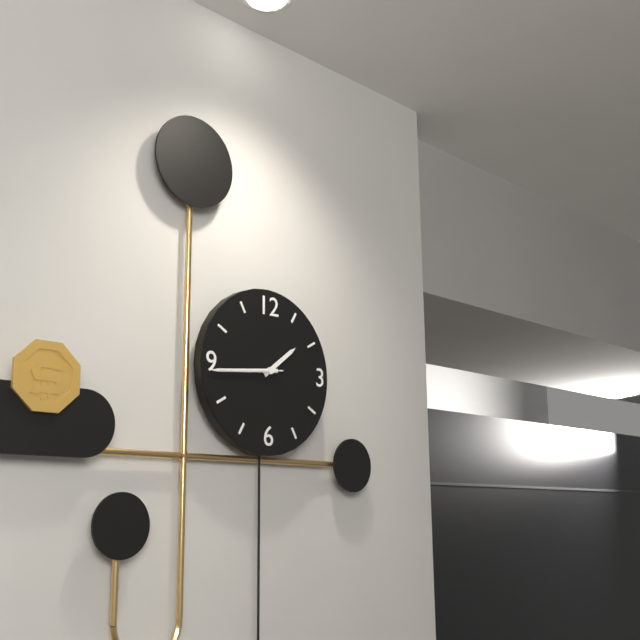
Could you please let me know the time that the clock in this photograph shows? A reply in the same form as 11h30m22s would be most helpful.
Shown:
1h44m44s
